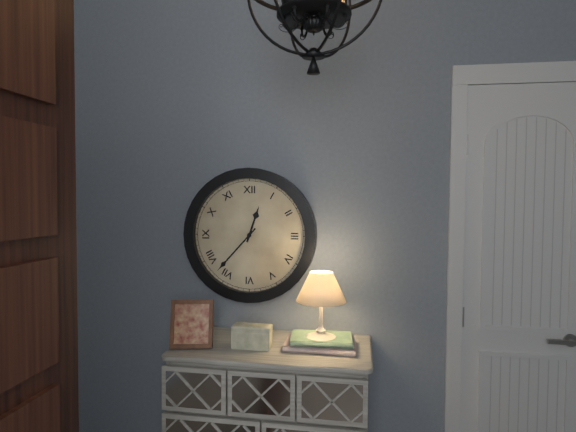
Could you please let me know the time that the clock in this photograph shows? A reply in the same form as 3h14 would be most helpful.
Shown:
12h37
